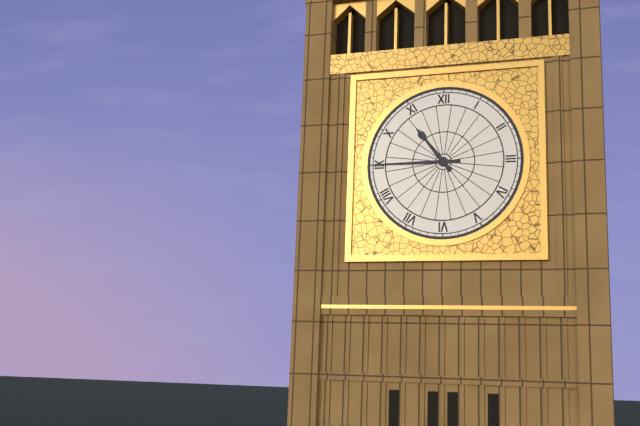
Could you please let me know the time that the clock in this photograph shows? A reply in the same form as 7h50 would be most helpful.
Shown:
10h45
